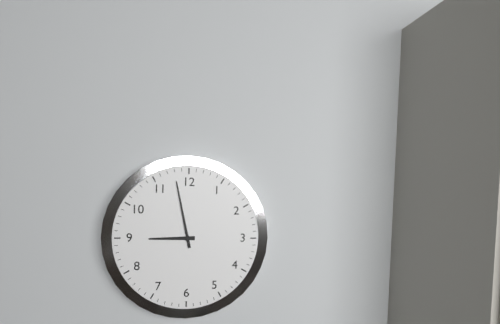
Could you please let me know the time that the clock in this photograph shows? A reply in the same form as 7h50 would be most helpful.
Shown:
8h58
